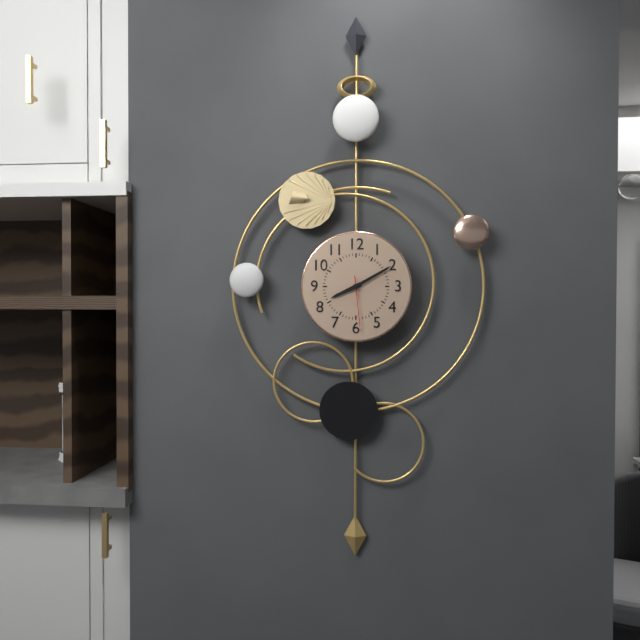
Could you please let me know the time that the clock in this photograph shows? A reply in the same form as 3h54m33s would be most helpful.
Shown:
8h10m29s
